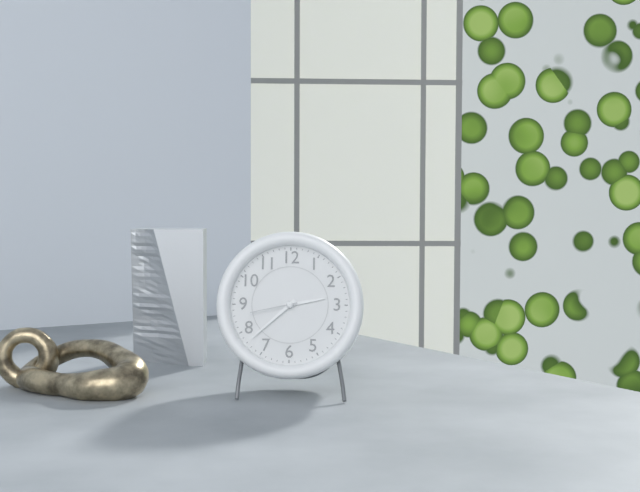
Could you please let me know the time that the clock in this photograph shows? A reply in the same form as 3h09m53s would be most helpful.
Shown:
2h38m43s
